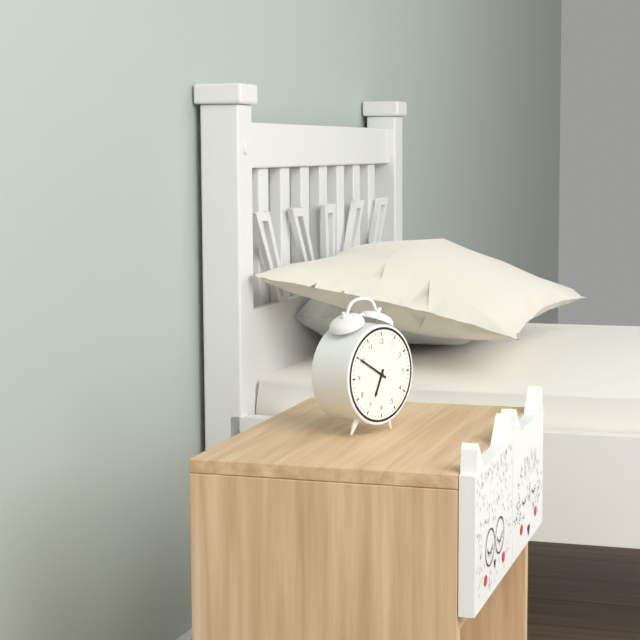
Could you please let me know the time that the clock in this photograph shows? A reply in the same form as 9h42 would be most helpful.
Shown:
6h50
